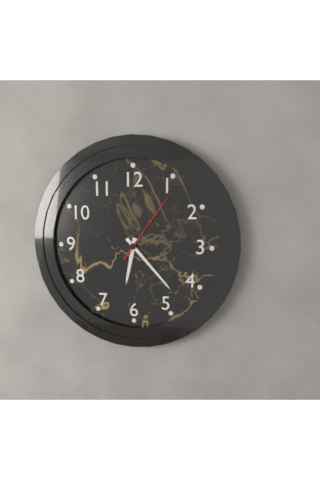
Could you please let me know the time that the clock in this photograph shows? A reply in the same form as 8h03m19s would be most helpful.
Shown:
6h23m06s
